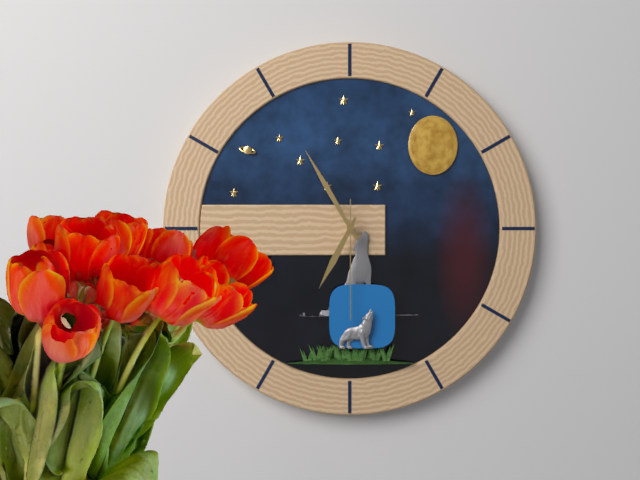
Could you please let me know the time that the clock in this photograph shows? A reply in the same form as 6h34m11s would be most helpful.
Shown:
6h55m30s
